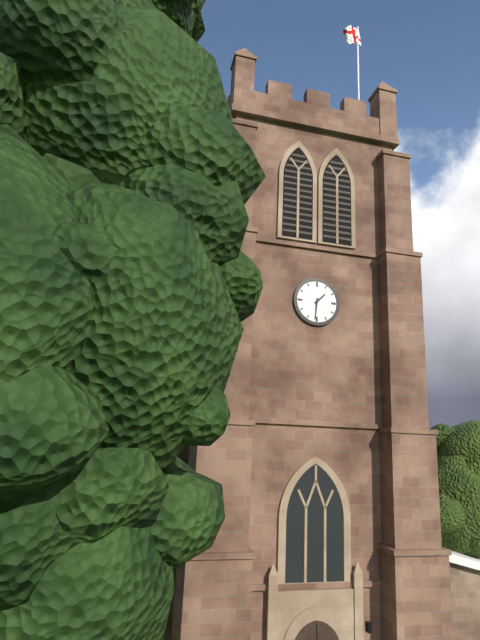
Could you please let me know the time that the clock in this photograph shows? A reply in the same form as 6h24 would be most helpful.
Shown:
1h31
